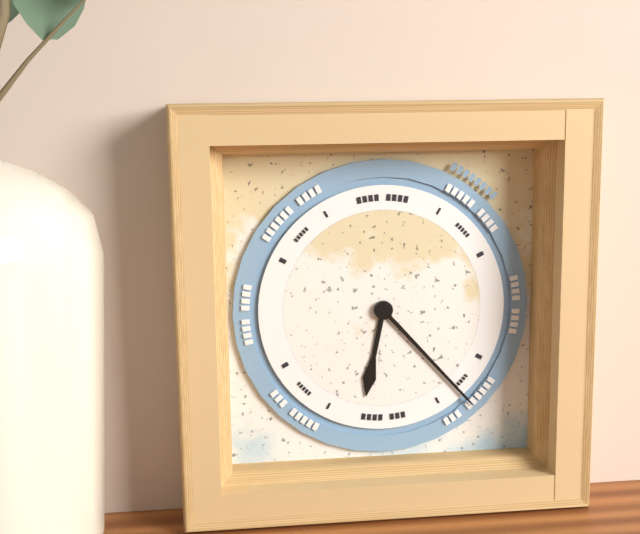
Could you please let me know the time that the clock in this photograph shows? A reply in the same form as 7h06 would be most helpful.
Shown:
6h23
